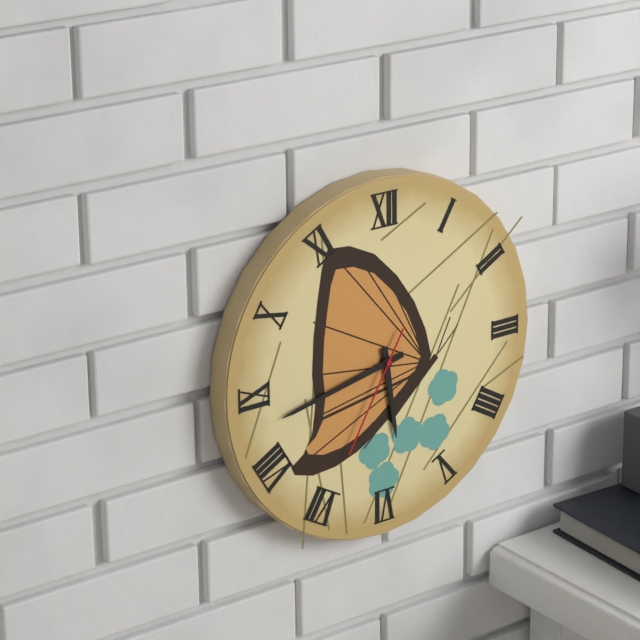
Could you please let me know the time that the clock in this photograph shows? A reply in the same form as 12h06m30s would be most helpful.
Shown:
5h43m35s
